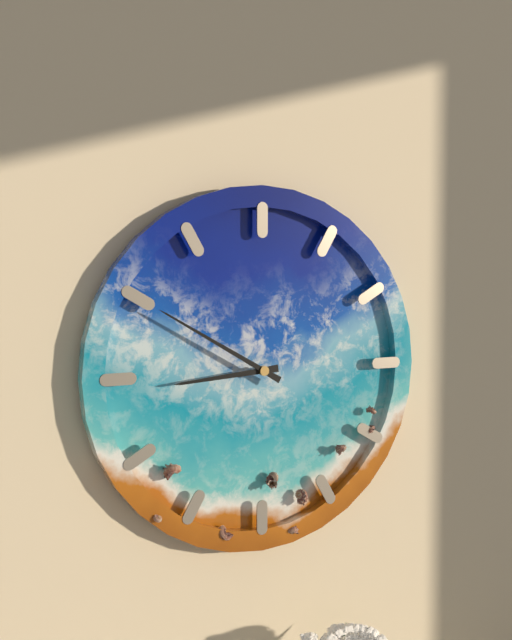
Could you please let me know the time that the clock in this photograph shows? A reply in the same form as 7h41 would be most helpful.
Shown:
8h50
